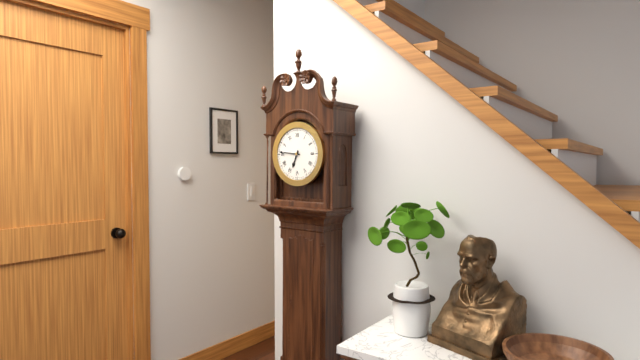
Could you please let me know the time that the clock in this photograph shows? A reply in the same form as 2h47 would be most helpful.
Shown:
6h46
